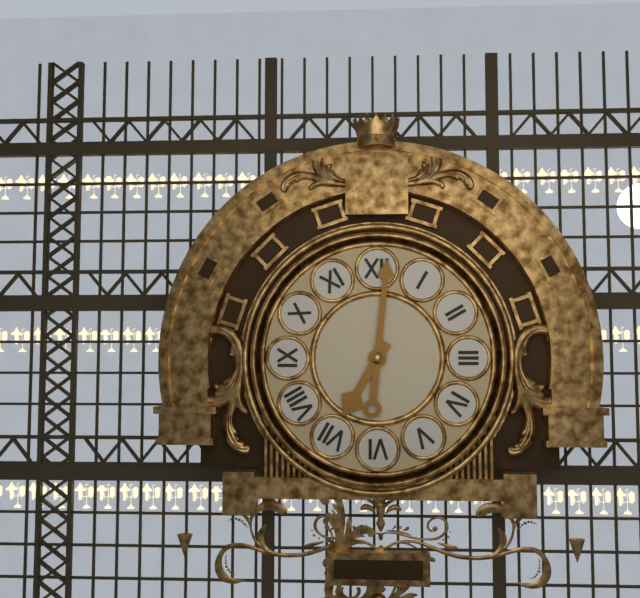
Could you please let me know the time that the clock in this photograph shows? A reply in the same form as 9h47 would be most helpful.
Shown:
7h01
